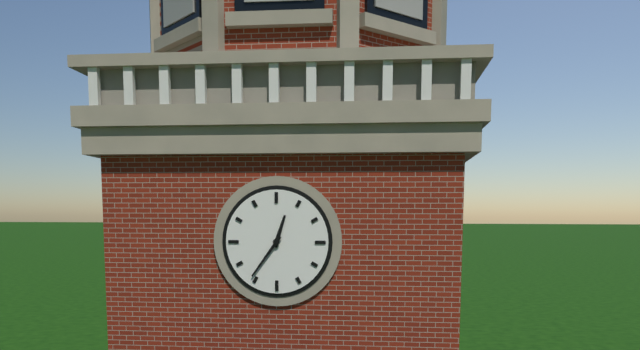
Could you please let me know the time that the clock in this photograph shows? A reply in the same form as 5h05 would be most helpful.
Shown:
12h36
